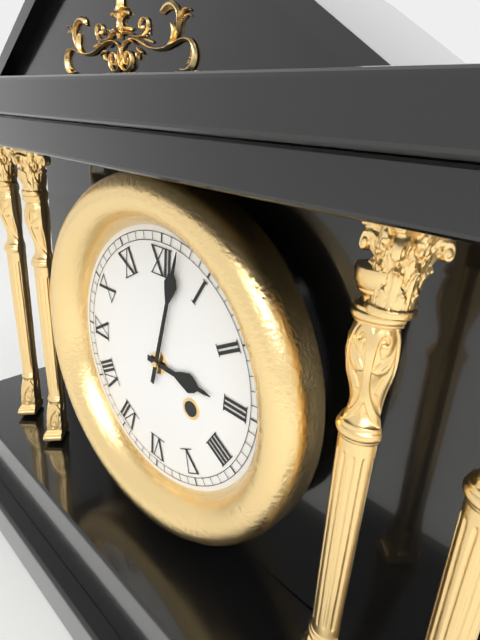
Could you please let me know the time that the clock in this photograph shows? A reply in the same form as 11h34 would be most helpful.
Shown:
3h02
